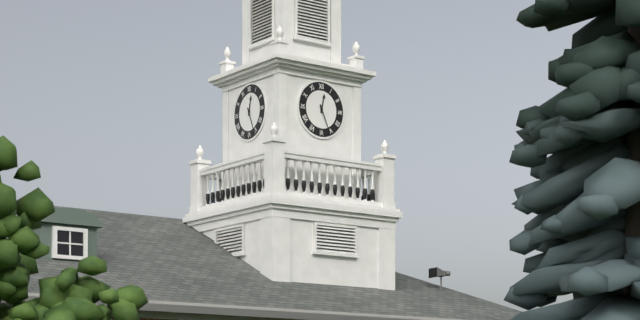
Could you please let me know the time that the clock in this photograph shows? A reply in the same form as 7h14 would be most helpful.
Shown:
12h26
